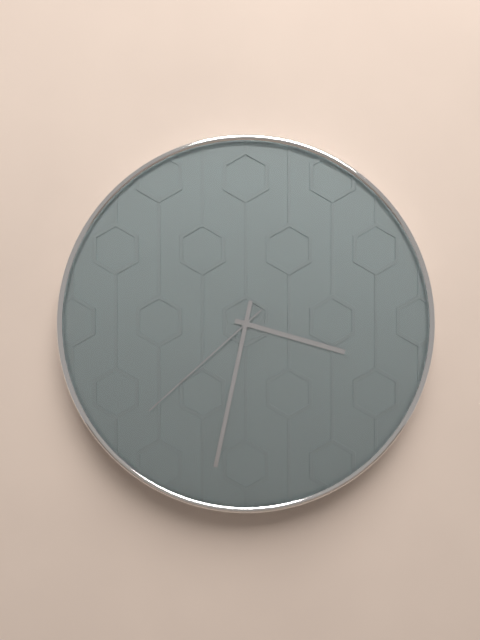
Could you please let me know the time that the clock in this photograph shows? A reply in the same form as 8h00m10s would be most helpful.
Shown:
3h32m38s
